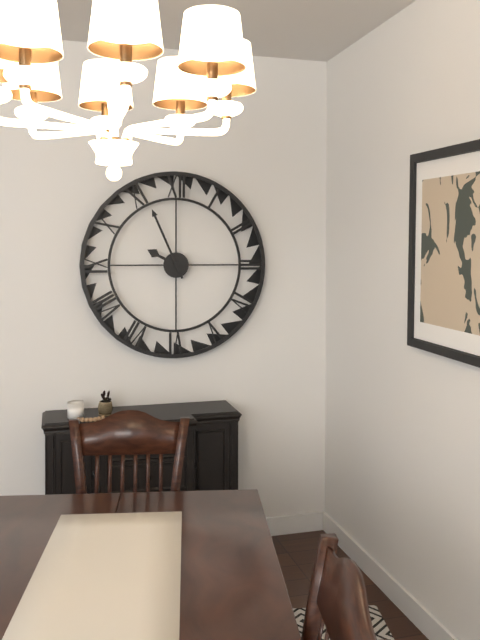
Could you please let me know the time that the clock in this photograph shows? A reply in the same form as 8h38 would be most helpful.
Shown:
9h56
